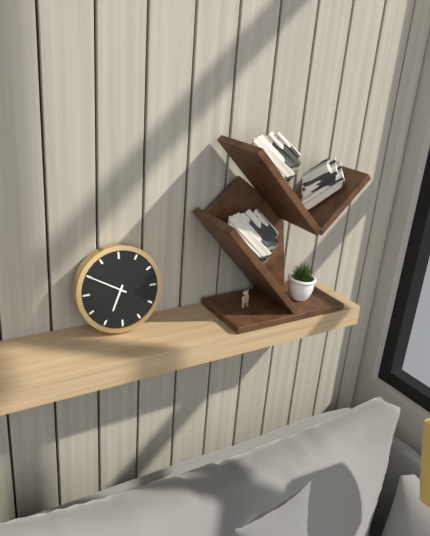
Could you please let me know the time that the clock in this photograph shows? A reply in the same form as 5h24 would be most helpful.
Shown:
6h50
